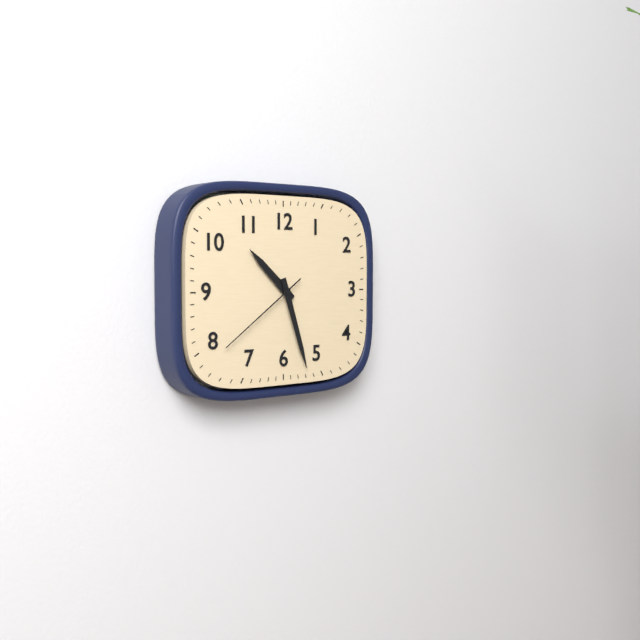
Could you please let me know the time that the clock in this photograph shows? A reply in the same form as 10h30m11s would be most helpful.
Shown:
10h27m39s
